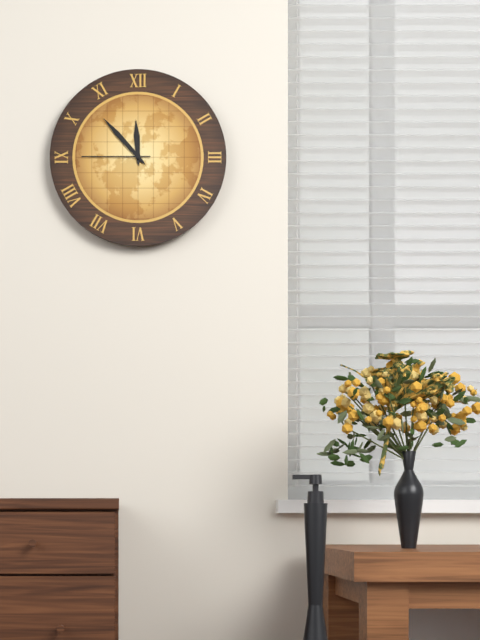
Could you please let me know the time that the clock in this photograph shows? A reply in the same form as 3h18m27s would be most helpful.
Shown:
11h53m45s
